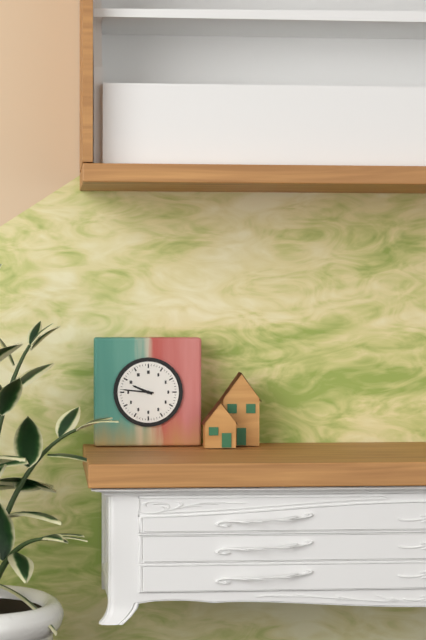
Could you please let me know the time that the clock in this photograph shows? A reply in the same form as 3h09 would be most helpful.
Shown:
9h46
